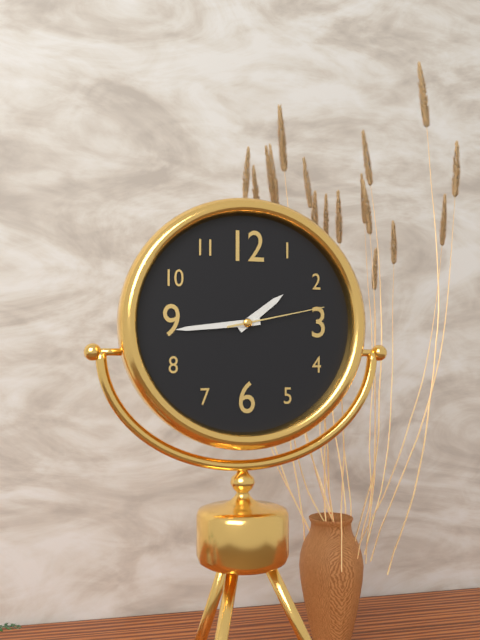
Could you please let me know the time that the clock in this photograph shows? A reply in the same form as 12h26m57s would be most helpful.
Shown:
1h44m13s
